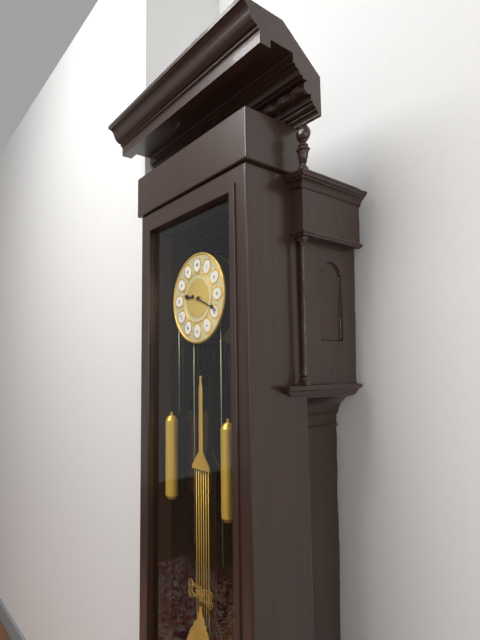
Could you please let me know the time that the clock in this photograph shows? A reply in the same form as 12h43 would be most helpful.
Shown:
9h19
